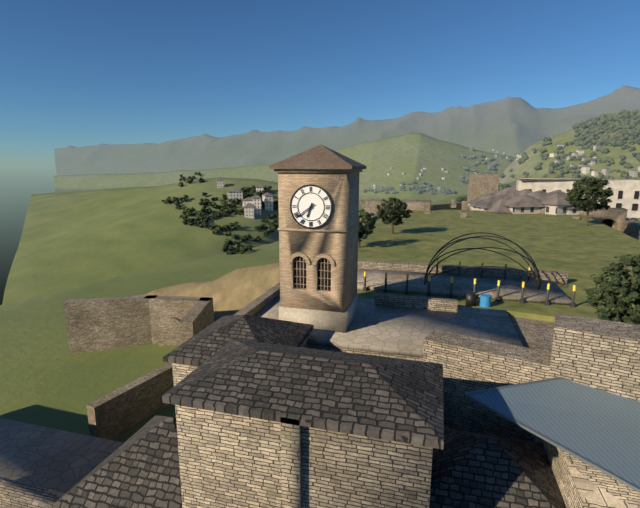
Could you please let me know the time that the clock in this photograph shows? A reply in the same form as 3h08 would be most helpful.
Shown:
6h39
